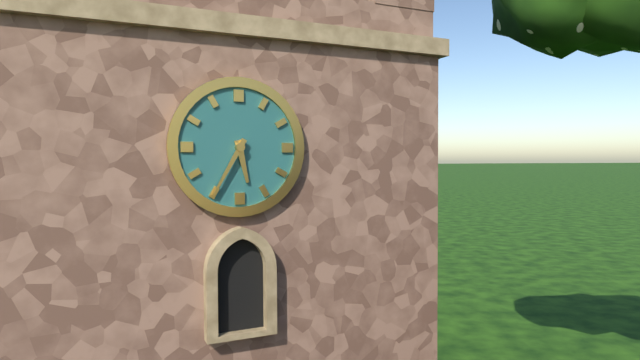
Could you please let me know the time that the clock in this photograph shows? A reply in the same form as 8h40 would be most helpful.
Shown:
5h35
